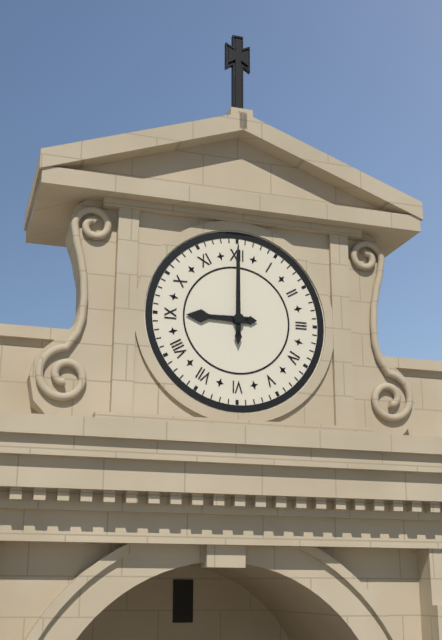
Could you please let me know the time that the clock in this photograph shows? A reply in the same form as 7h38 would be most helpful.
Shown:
9h00
